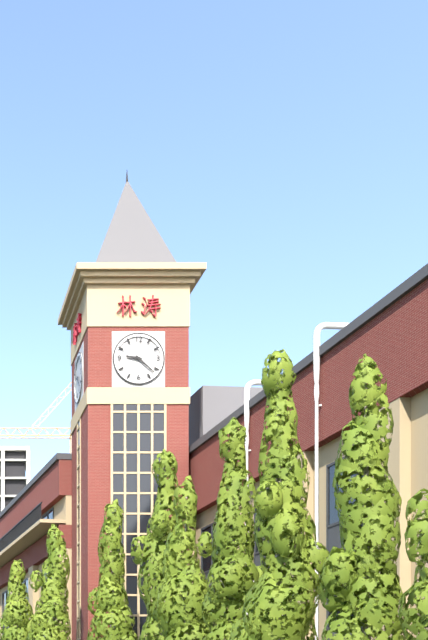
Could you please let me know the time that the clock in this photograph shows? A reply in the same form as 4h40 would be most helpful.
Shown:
9h22
